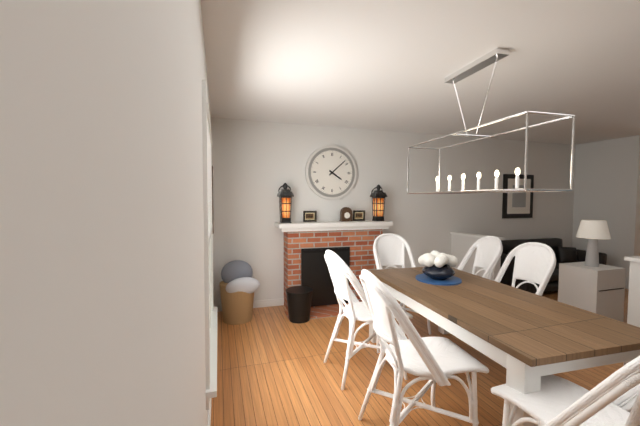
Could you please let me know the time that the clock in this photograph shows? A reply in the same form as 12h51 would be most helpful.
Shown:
4h08
